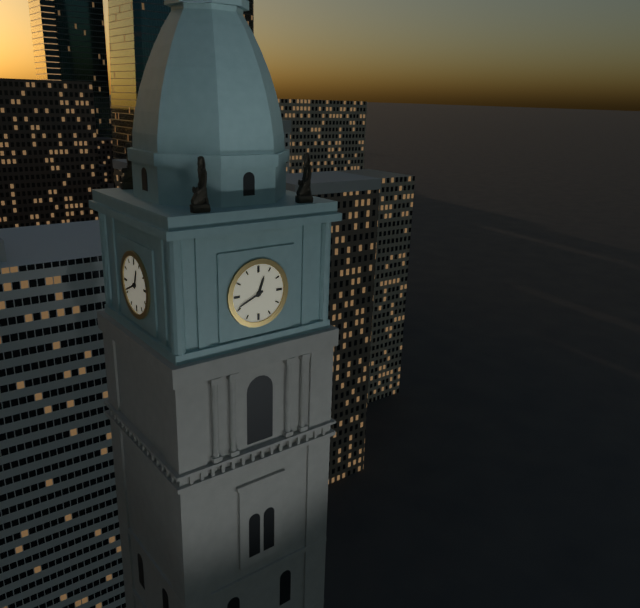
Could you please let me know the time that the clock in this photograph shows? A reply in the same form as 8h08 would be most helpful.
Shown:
12h41
